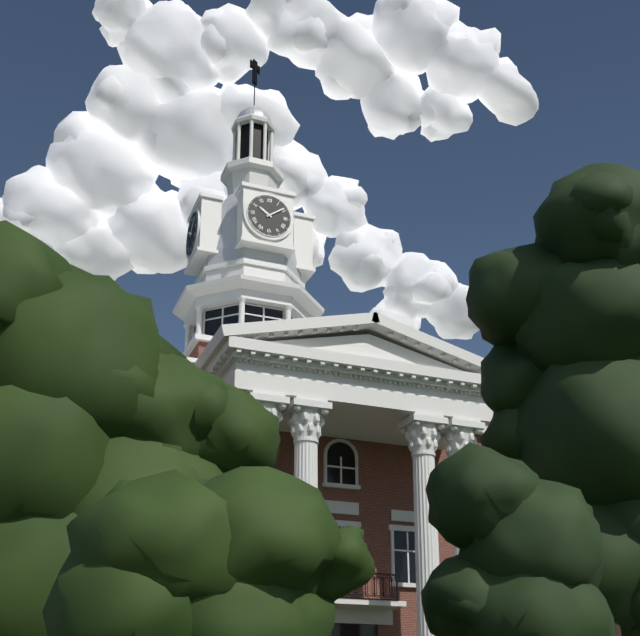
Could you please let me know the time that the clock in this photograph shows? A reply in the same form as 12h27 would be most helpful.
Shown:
10h09
